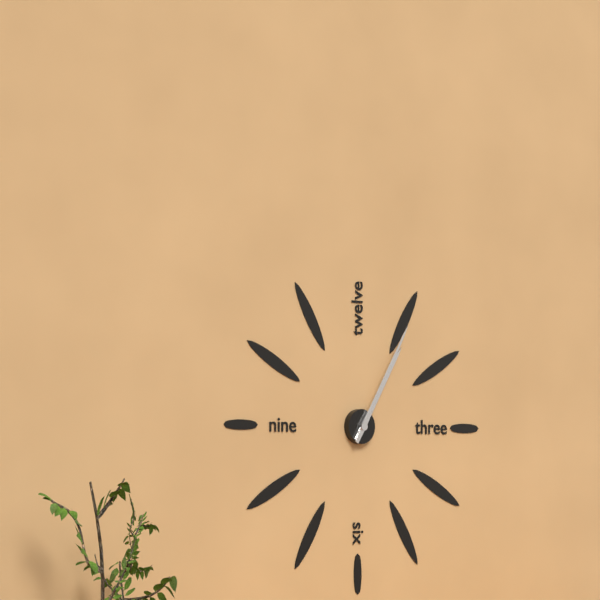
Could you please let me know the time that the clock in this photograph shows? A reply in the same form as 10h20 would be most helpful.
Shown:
1h05
